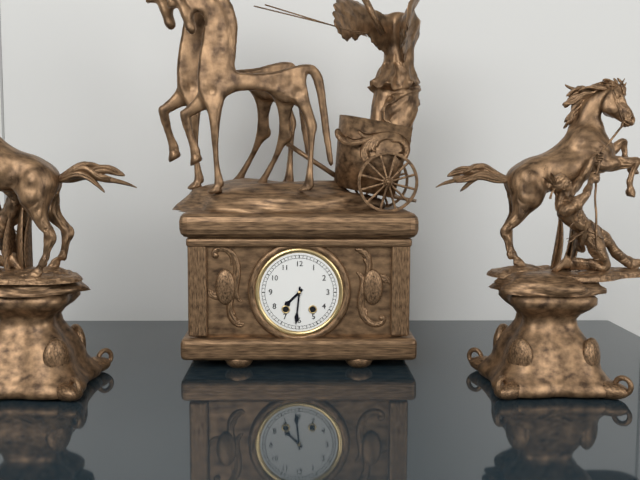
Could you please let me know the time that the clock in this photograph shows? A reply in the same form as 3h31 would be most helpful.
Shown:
7h31
